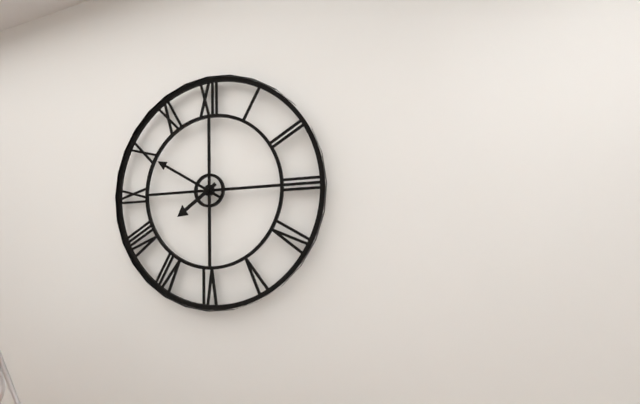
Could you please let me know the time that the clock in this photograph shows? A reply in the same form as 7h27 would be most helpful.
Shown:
7h50
